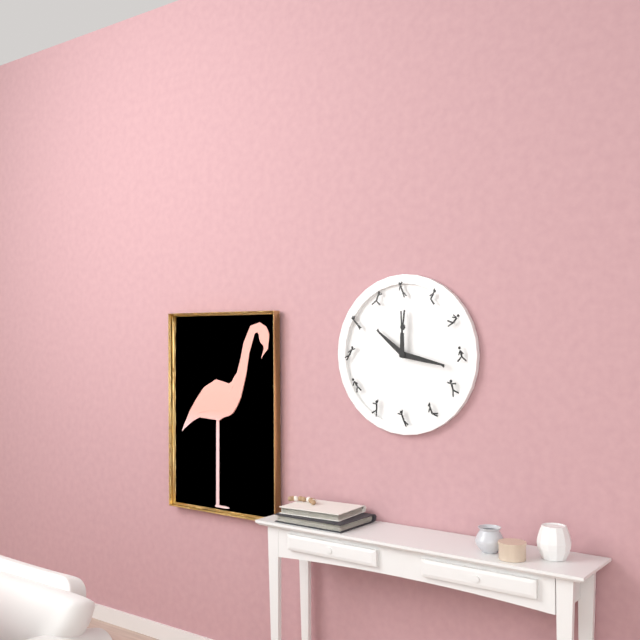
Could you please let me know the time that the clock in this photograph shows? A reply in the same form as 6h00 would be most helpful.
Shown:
10h17
